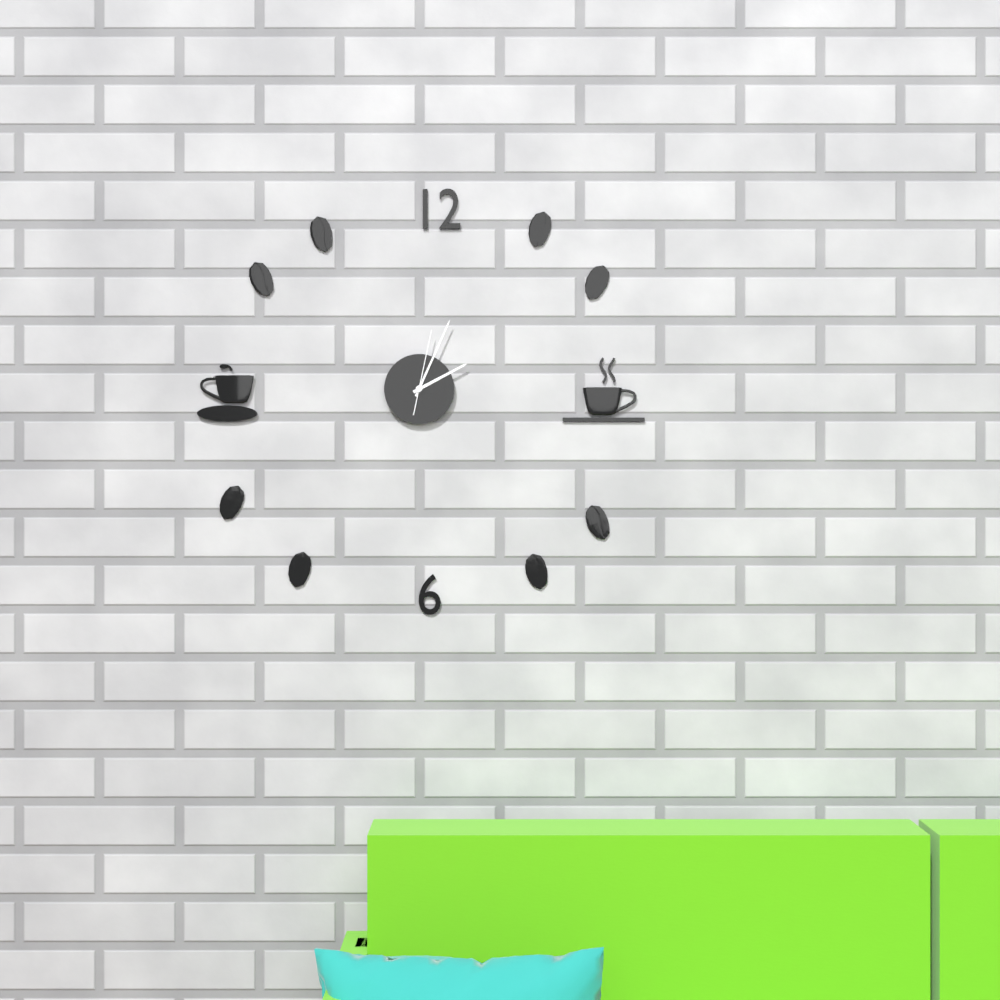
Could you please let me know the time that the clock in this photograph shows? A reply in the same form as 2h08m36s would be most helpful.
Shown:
2h04m02s
